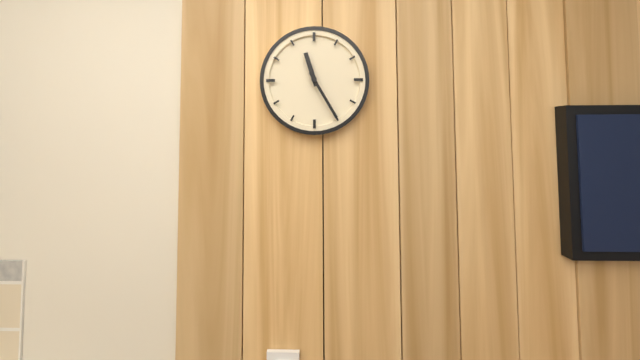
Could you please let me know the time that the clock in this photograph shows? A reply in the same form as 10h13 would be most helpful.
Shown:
11h25
